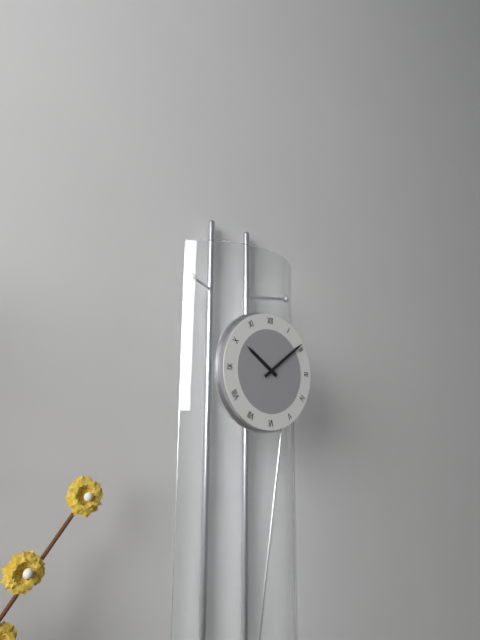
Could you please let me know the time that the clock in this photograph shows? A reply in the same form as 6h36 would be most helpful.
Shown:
10h09
